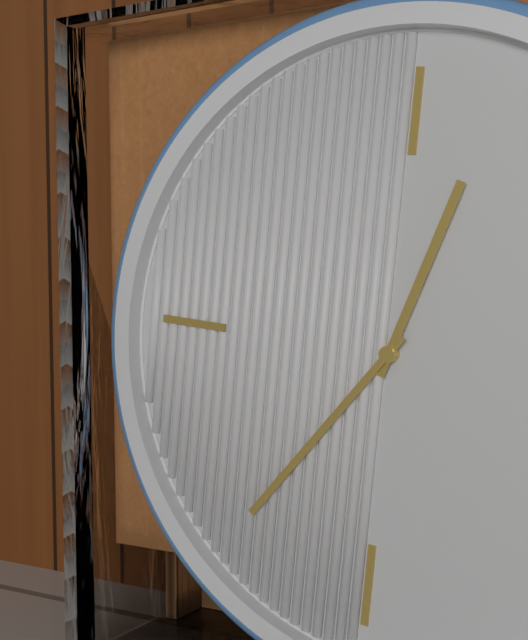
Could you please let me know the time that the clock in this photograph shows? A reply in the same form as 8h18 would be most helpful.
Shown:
12h36
